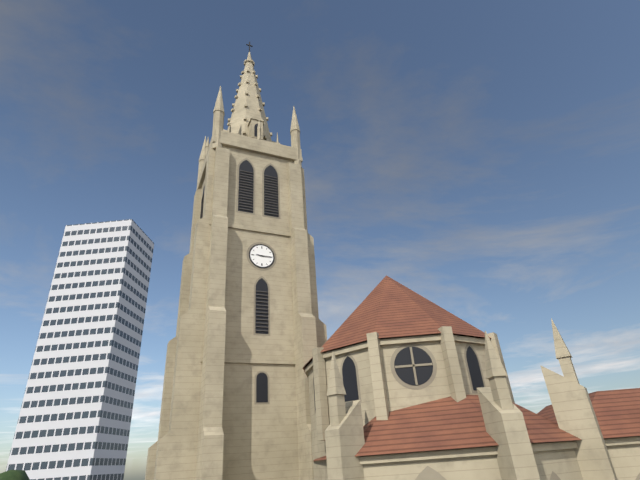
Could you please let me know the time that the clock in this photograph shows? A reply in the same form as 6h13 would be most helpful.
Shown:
9h15
